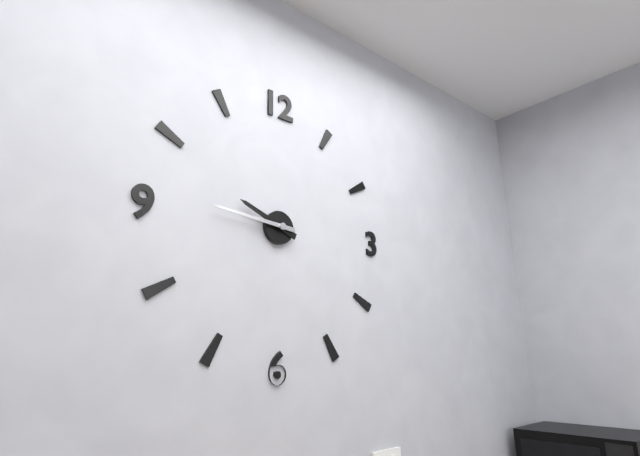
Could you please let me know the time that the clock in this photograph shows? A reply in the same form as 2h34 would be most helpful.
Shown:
9h46
